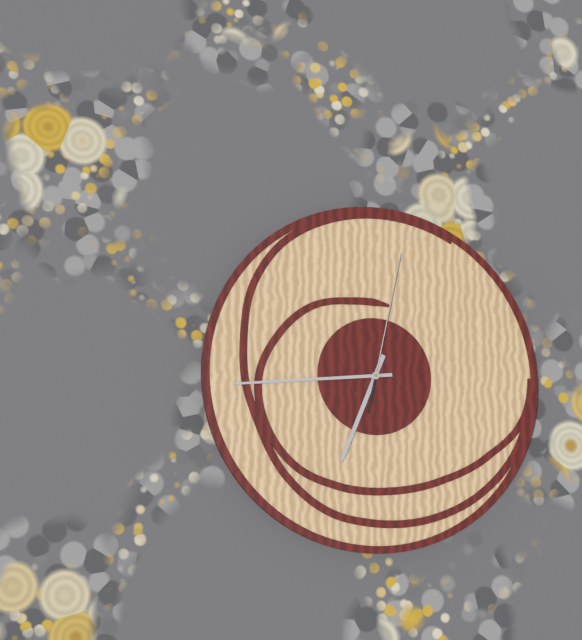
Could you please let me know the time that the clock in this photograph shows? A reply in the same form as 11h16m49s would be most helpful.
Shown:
6h44m02s
